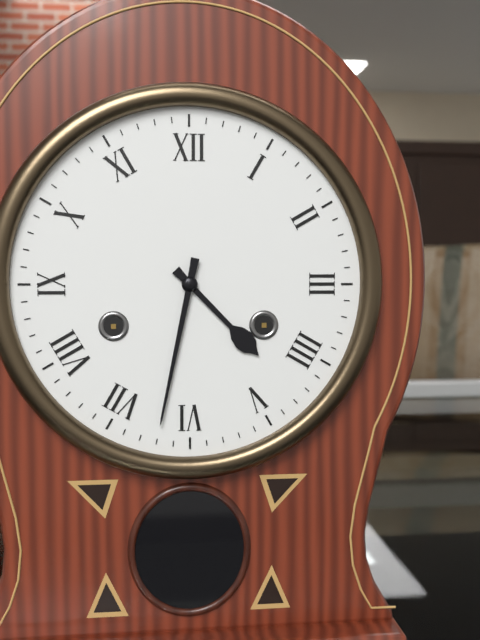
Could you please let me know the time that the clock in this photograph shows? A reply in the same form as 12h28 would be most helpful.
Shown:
4h32
